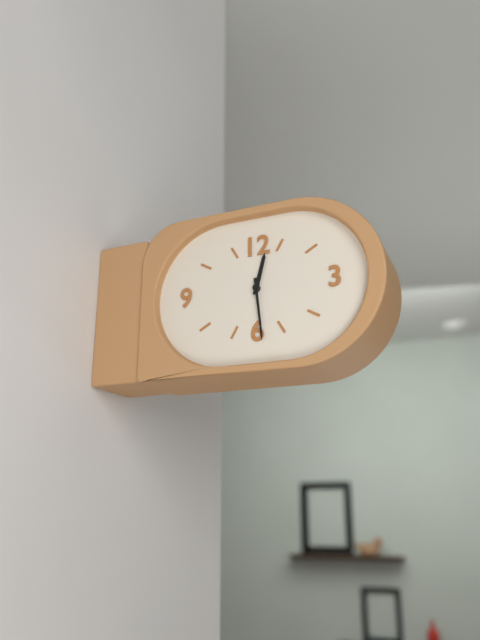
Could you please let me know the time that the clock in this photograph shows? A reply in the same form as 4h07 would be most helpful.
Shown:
12h29
